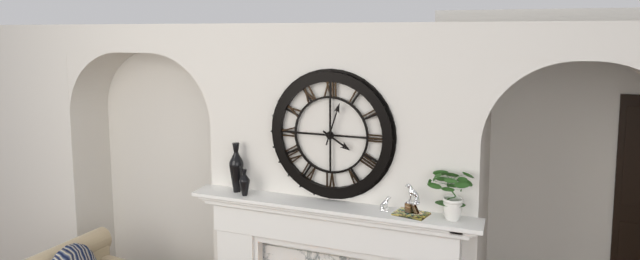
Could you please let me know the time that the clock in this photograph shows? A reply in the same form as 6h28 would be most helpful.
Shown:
4h03
